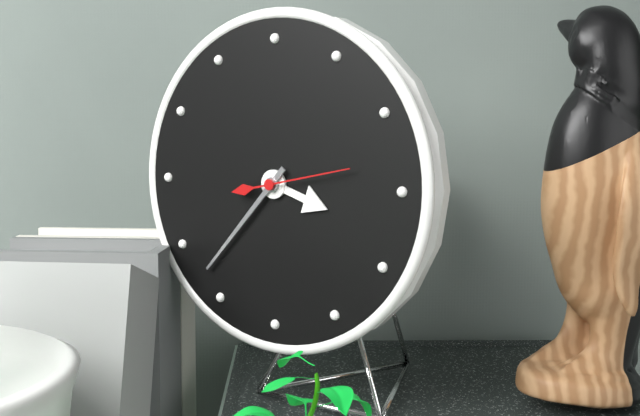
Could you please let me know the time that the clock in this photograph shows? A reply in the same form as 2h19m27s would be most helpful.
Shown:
3h37m13s
